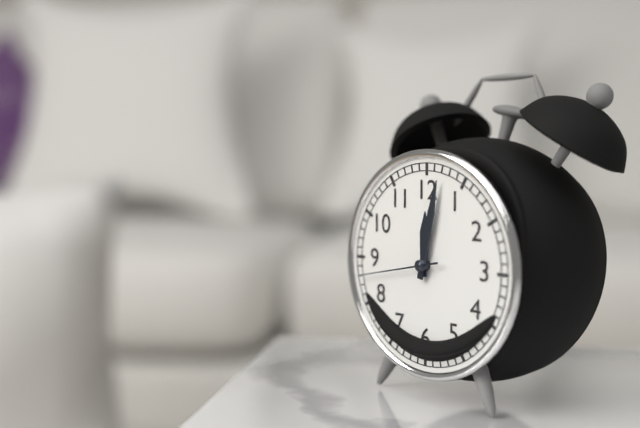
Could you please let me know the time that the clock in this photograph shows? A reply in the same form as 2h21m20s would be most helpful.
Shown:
12h02m43s
